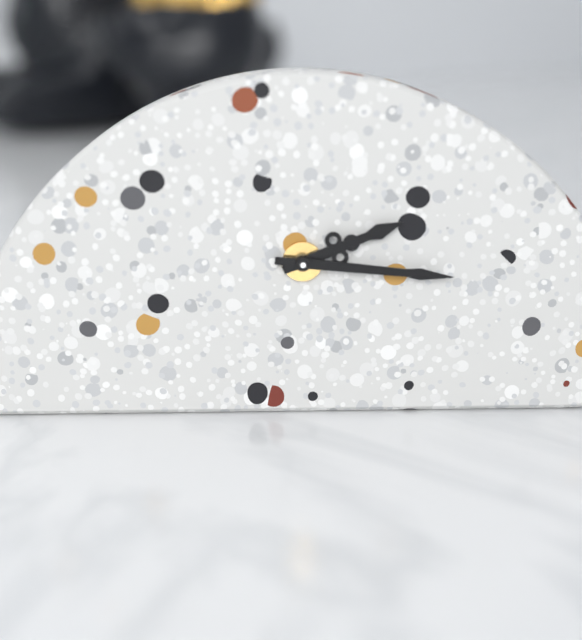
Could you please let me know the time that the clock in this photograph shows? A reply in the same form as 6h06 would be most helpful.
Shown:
2h16
